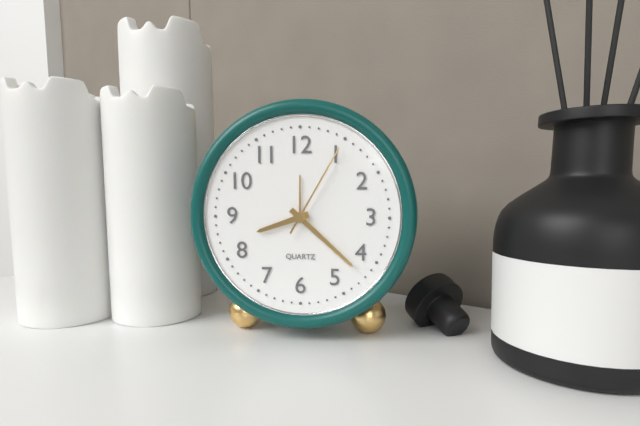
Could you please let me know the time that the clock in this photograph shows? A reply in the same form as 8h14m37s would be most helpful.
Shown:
8h22m05s
